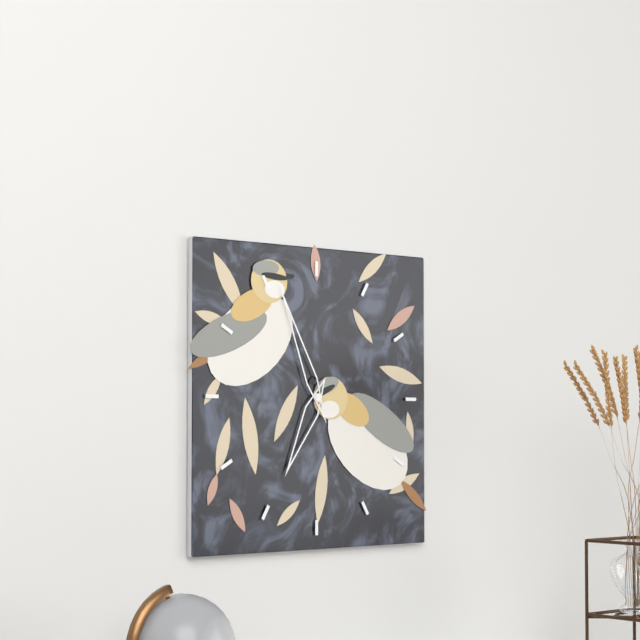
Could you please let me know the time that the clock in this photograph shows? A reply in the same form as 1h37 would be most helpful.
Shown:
6h56
